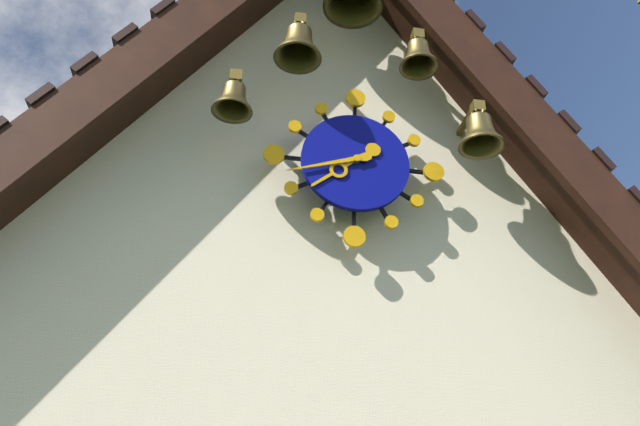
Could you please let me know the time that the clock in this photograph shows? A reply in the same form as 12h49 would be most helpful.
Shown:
7h42
